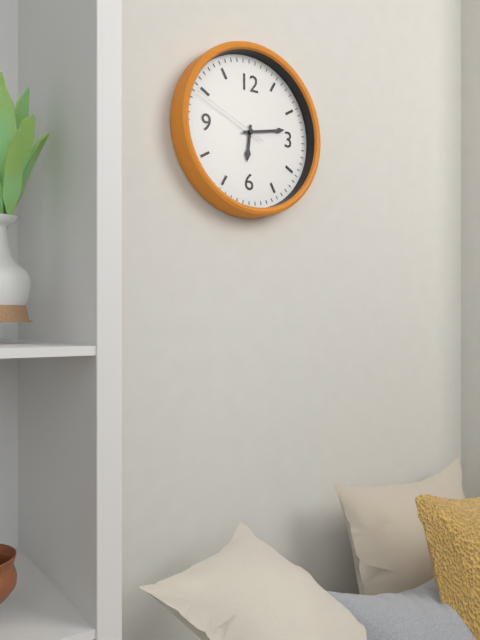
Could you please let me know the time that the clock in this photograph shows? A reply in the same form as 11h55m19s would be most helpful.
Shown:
6h13m49s
